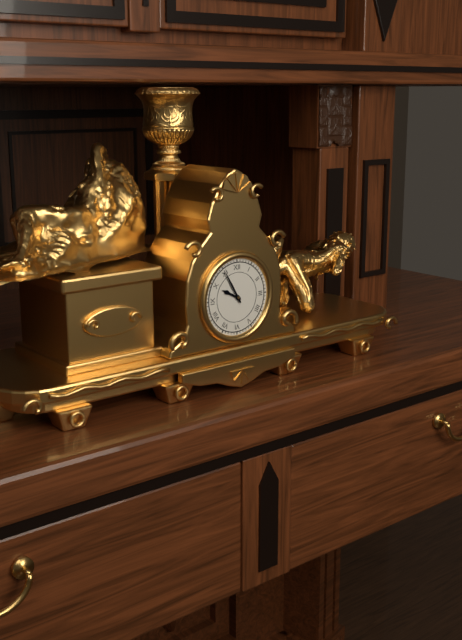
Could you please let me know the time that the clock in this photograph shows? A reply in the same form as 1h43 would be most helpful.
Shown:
9h55
